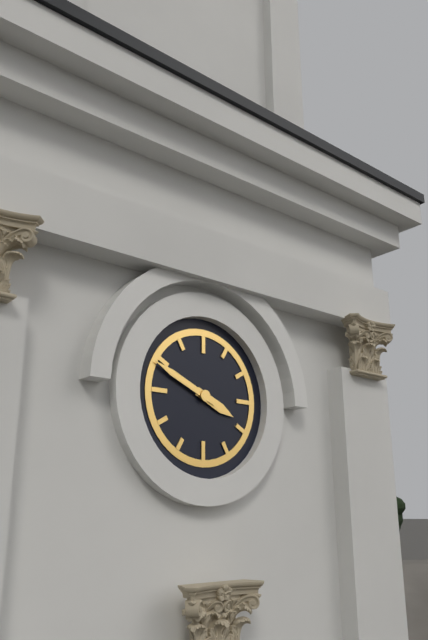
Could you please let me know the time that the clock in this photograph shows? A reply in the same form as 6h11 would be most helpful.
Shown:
3h49
